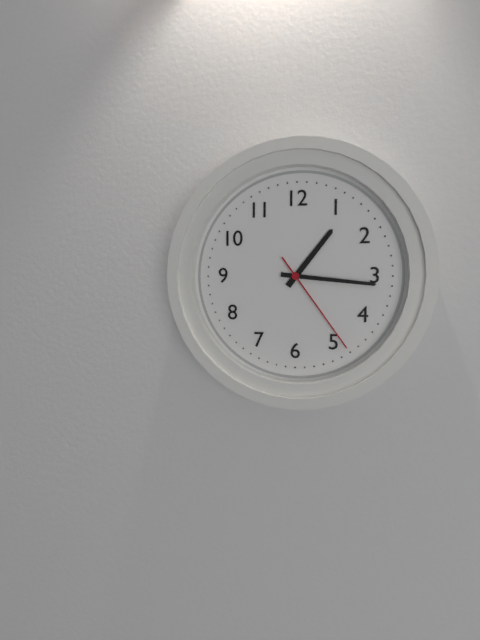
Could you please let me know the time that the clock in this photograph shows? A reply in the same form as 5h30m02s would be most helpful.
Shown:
1h16m24s
